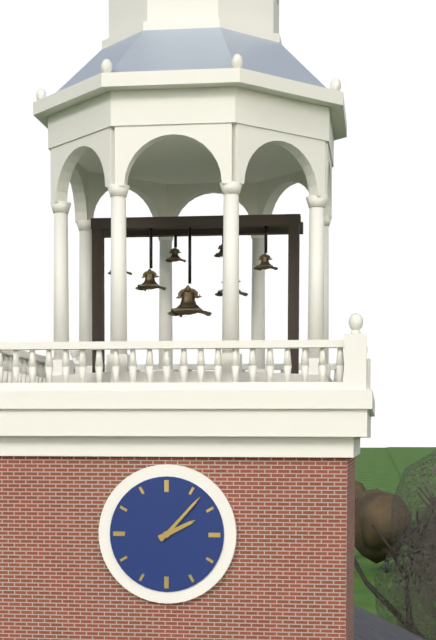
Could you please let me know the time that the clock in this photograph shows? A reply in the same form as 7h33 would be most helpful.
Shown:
2h07
